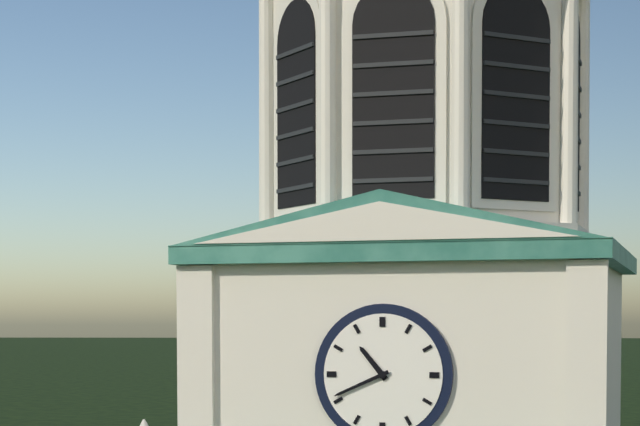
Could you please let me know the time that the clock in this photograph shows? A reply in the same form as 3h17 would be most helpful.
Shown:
10h41
